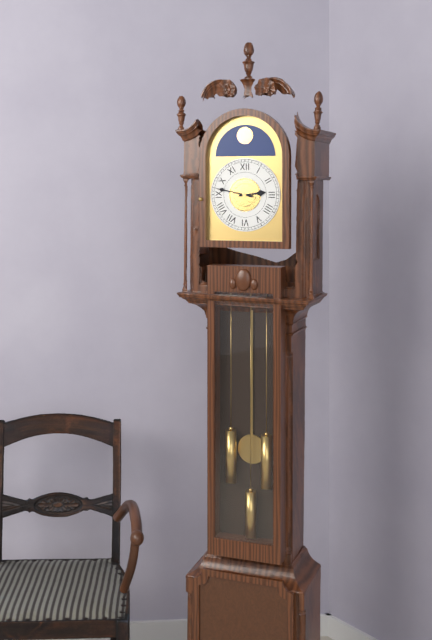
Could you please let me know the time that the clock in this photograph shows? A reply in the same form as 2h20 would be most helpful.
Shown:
2h47
